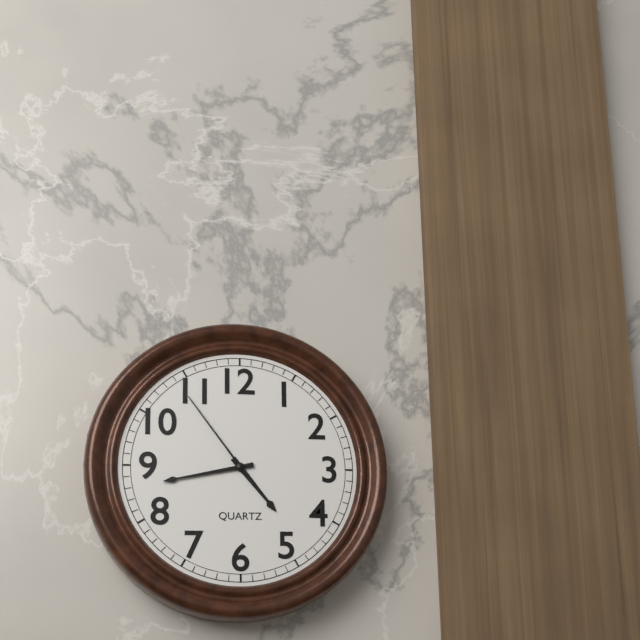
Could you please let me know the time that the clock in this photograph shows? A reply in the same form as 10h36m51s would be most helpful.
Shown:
4h43m54s
